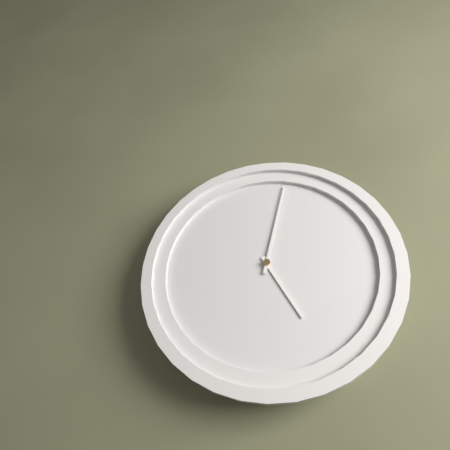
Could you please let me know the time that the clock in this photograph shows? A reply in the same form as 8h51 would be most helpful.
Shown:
5h02
